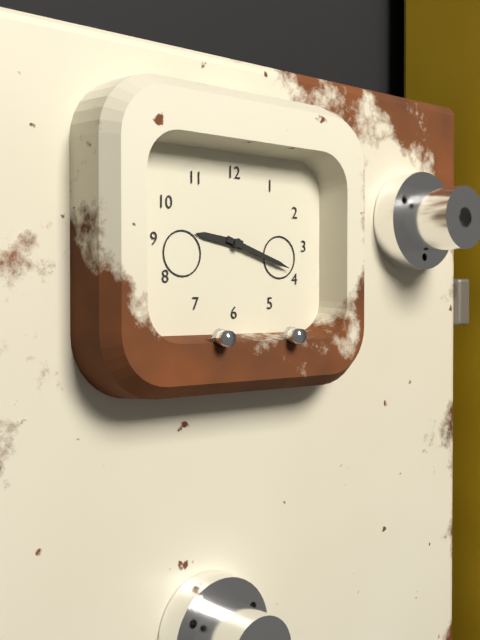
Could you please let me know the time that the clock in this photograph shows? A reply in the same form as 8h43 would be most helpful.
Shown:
9h18
